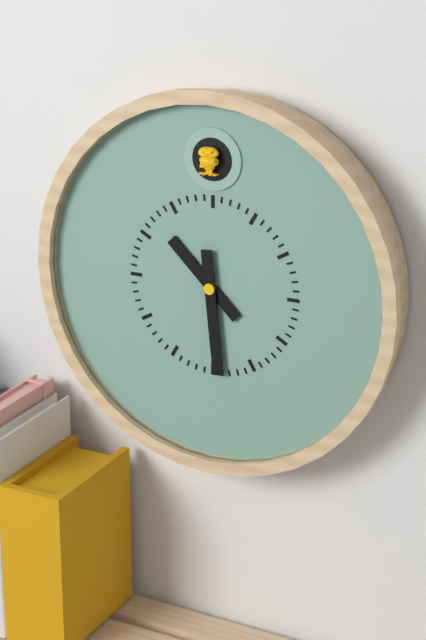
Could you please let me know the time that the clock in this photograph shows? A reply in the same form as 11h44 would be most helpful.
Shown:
10h29
